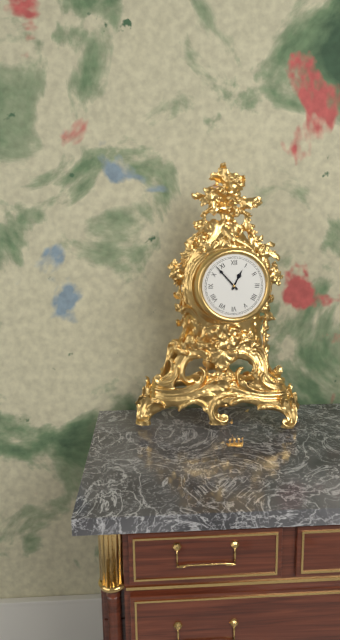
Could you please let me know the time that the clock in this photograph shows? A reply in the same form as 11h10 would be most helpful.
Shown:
12h53
